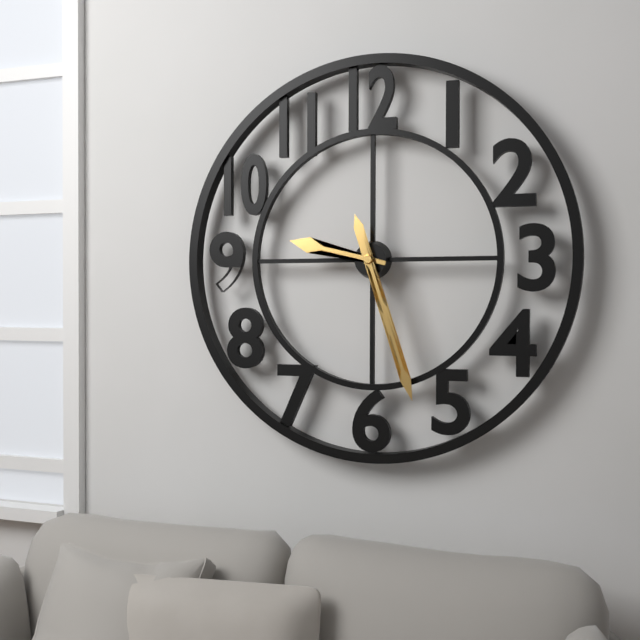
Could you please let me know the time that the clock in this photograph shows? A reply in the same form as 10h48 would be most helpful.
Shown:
9h27
